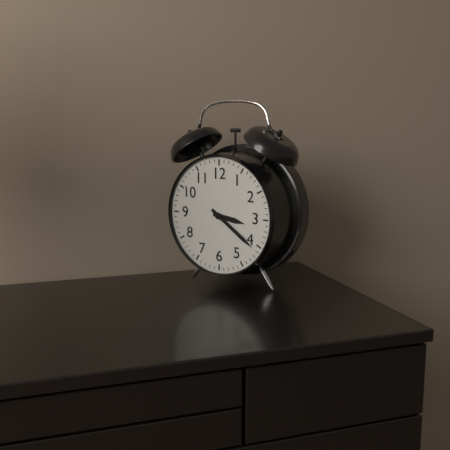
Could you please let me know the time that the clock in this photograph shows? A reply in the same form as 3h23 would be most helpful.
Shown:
3h21
